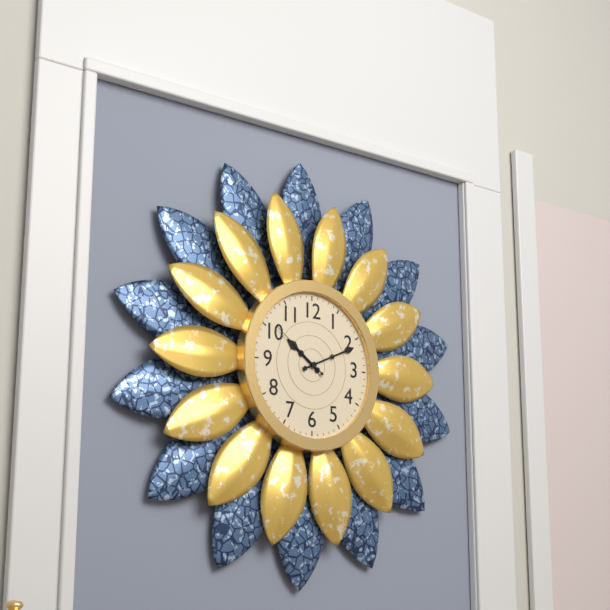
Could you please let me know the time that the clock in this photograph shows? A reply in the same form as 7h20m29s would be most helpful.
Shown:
10h11m51s
